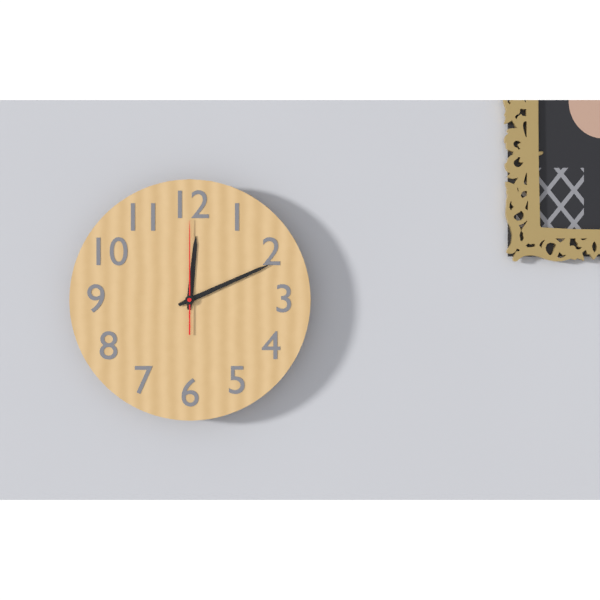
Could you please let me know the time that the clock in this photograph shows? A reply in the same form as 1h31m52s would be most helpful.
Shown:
12h11m00s
